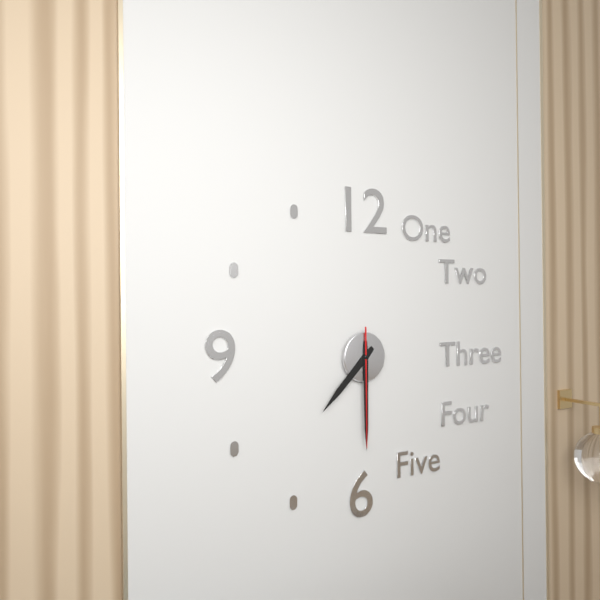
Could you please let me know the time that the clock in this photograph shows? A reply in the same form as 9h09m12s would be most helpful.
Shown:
7h30m30s
